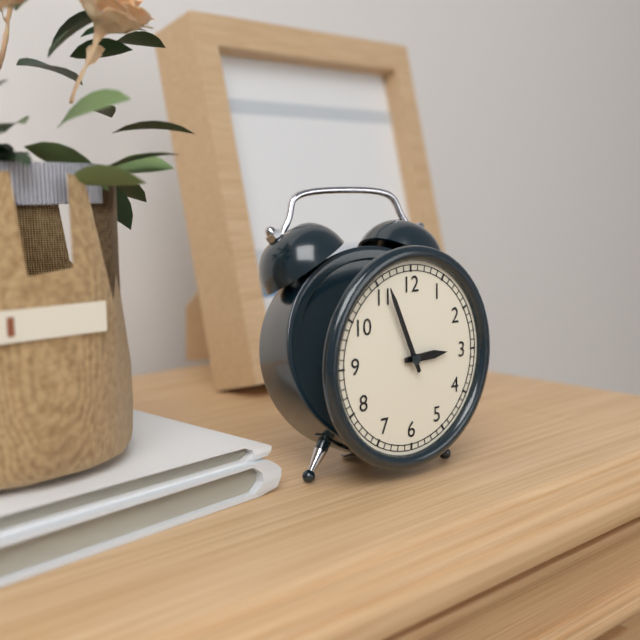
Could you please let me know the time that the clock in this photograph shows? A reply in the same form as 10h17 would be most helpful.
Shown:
2h56
